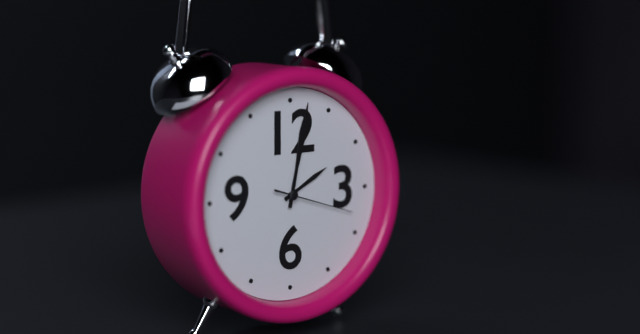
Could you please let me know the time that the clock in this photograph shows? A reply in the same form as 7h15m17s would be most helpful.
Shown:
2h02m18s
